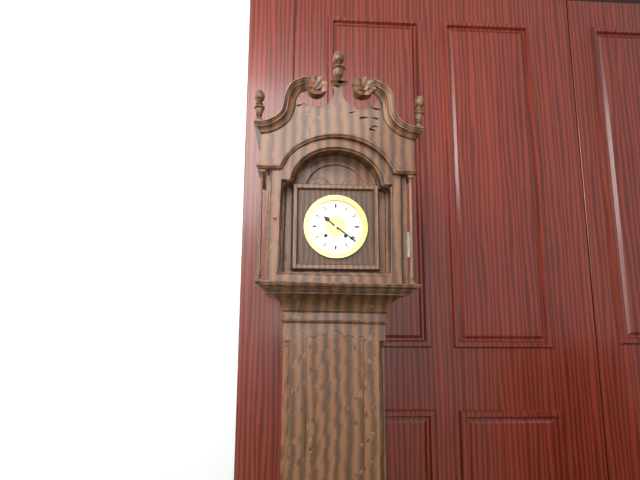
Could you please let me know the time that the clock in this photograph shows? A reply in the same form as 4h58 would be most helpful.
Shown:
10h21
